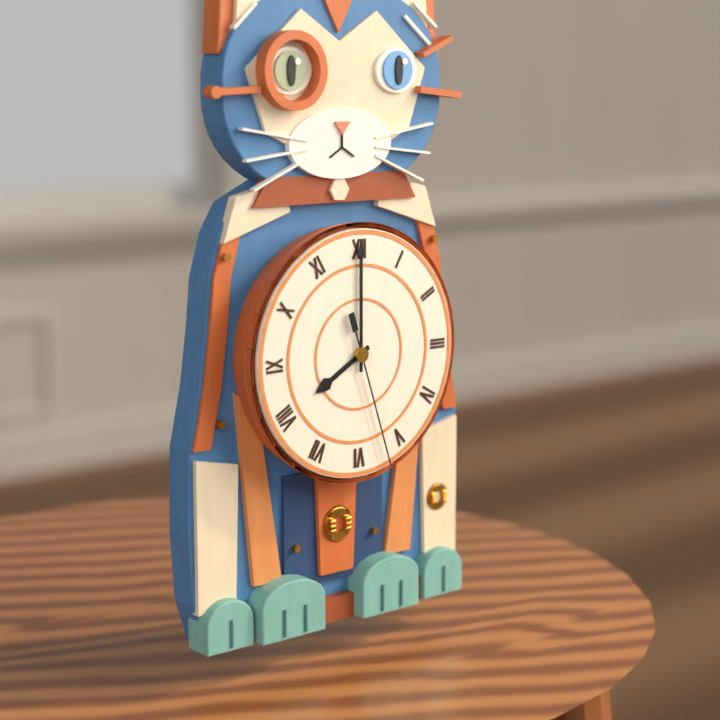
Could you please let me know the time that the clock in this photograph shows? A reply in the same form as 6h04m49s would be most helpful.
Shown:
8h00m27s
